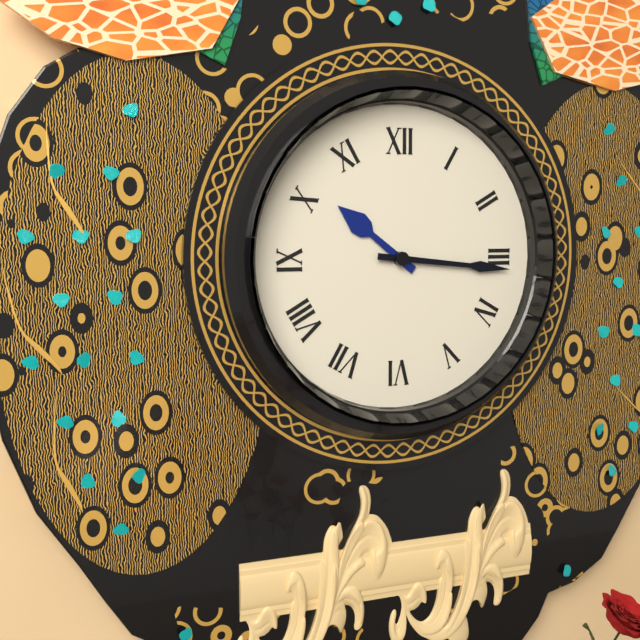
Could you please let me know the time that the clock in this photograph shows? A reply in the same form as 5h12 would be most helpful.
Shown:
10h16
